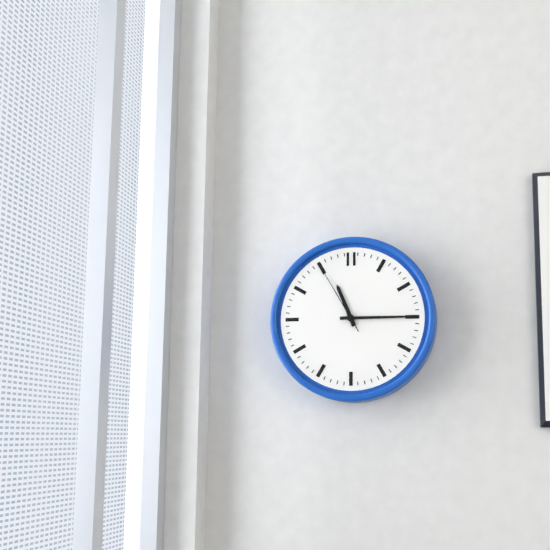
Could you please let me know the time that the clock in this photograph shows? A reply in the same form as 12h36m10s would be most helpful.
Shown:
11h15m55s
